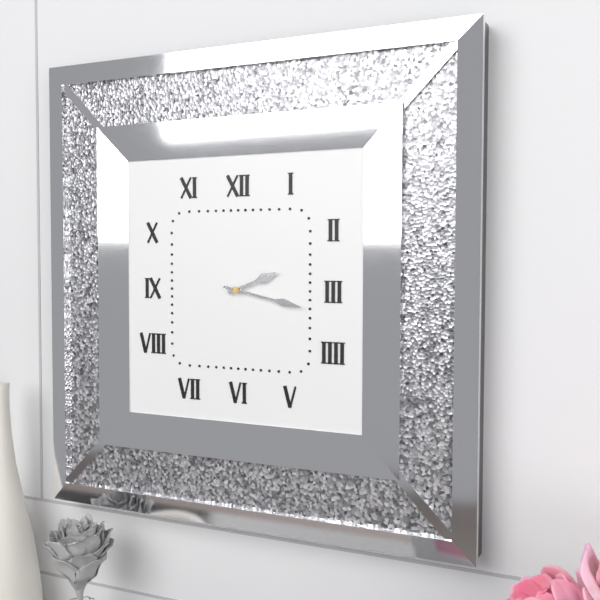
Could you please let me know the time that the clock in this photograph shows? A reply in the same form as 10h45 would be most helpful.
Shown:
2h17
